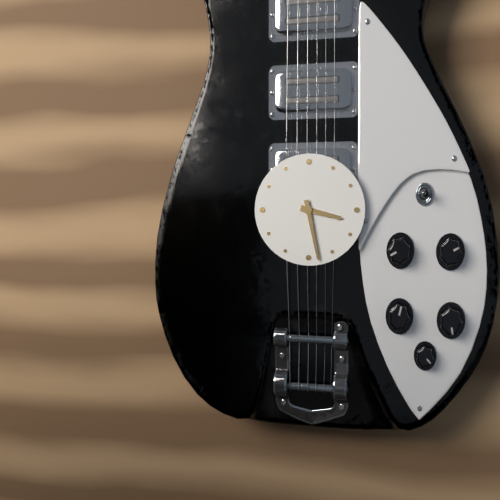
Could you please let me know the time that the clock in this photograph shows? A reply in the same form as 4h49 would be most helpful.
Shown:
3h28
